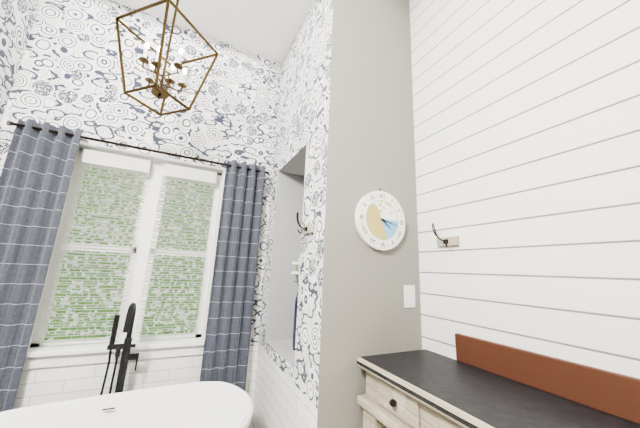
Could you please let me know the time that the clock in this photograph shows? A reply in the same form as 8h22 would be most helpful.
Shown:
4h17
